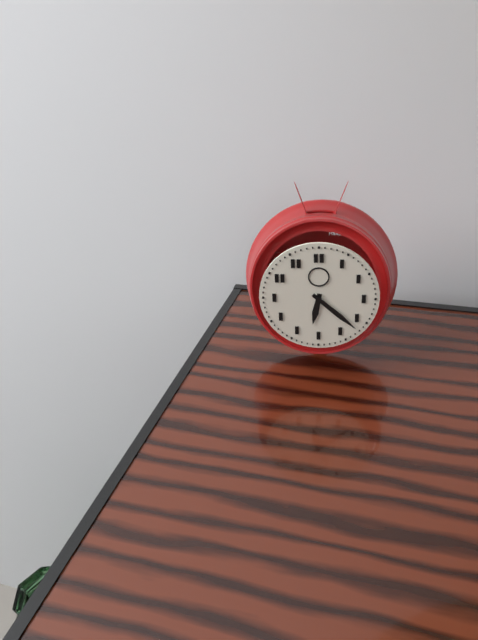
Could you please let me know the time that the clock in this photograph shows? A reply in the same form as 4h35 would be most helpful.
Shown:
6h22
